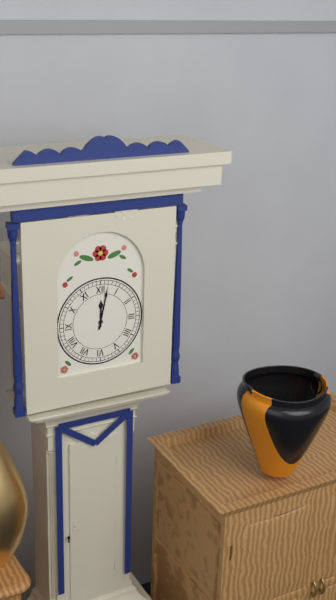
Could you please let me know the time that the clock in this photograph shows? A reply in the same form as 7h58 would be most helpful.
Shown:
12h02
